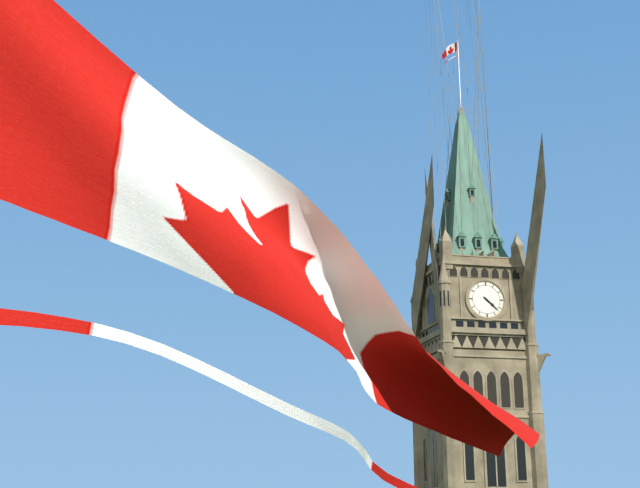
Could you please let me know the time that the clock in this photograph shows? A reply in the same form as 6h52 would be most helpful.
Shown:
4h22
